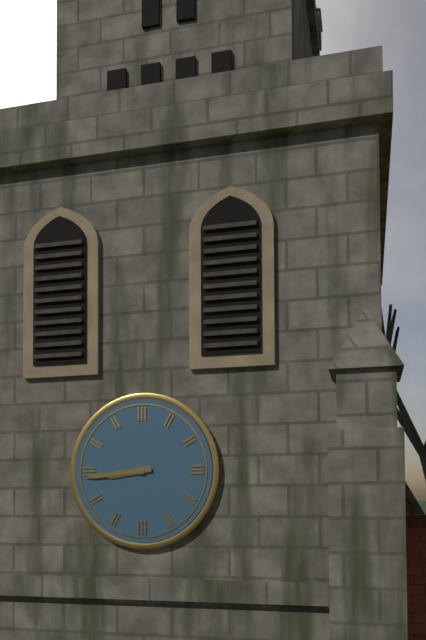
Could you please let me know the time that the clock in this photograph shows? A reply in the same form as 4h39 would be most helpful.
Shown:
8h44
